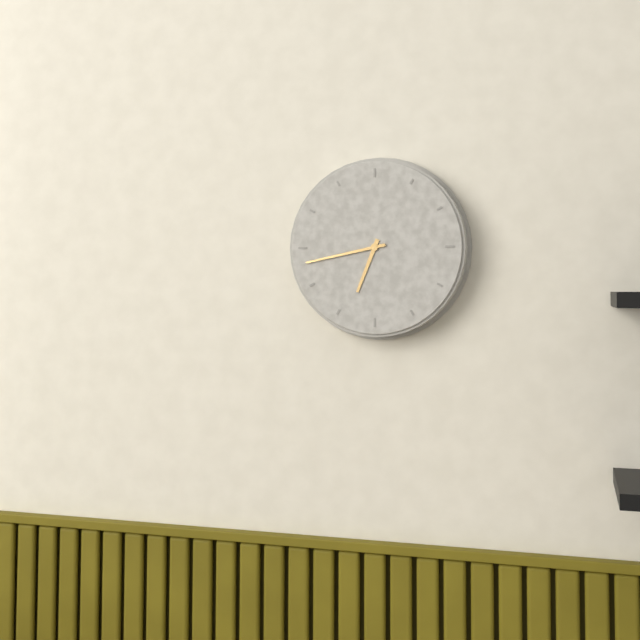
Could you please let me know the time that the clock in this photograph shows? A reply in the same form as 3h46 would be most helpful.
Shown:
6h43
